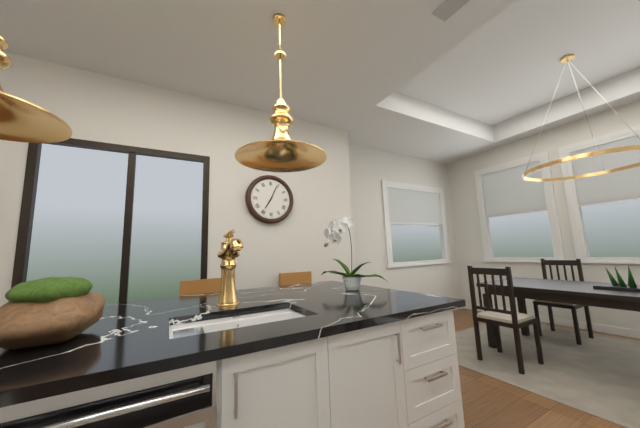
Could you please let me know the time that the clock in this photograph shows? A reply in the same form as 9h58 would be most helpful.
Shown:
7h04
